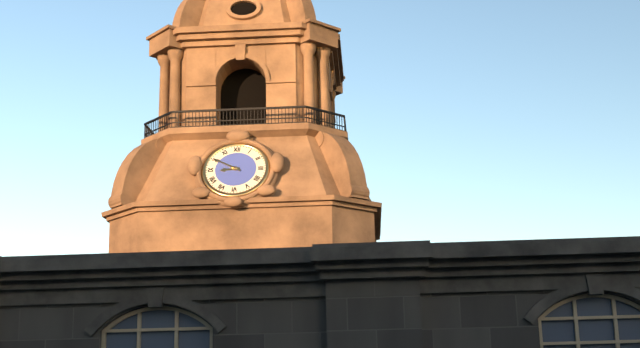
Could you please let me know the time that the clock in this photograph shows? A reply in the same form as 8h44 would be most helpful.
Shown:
8h50
